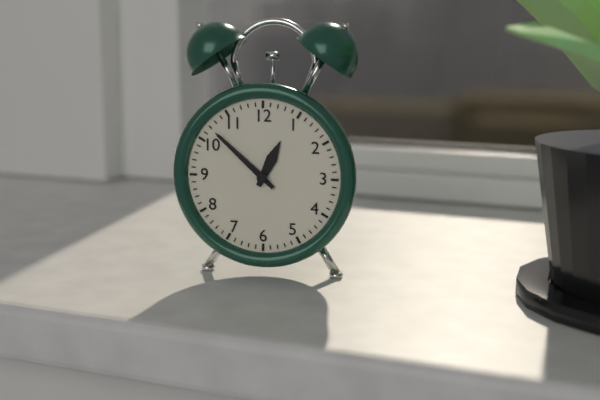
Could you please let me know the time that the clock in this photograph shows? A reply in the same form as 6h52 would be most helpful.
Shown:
12h52
